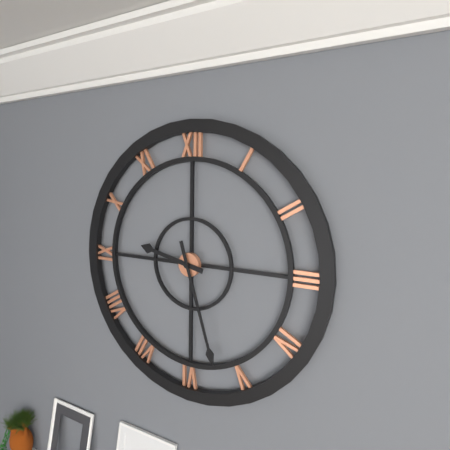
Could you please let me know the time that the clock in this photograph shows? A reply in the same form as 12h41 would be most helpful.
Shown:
9h27
